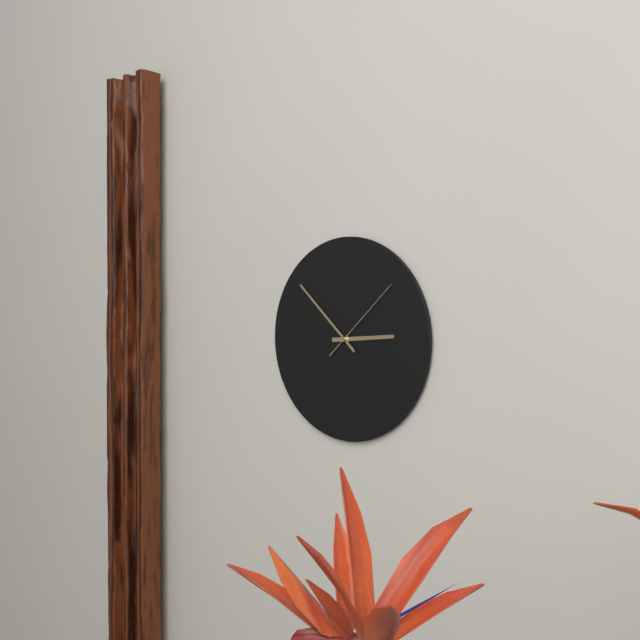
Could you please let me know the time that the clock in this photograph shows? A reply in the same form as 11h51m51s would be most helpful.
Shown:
2h52m08s
